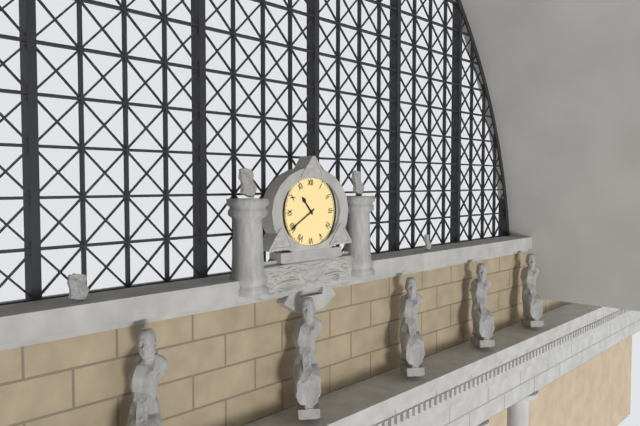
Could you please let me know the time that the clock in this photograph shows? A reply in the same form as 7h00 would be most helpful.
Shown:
10h40
